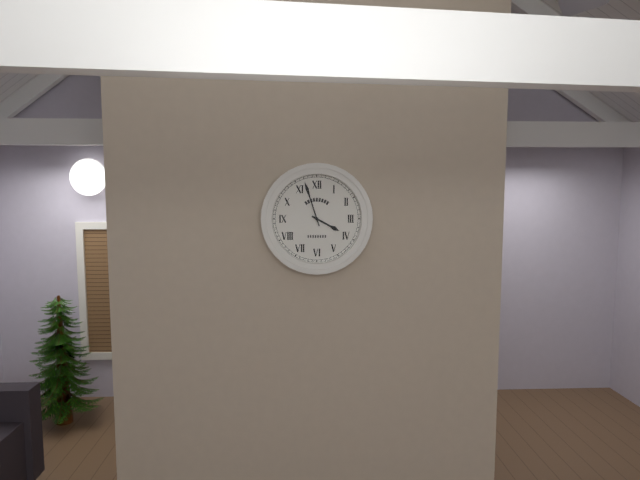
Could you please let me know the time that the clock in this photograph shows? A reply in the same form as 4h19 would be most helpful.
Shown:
3h57
